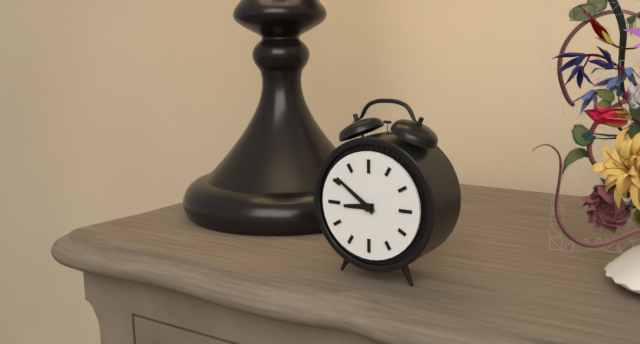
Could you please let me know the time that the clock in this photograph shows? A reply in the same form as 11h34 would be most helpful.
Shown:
8h51
